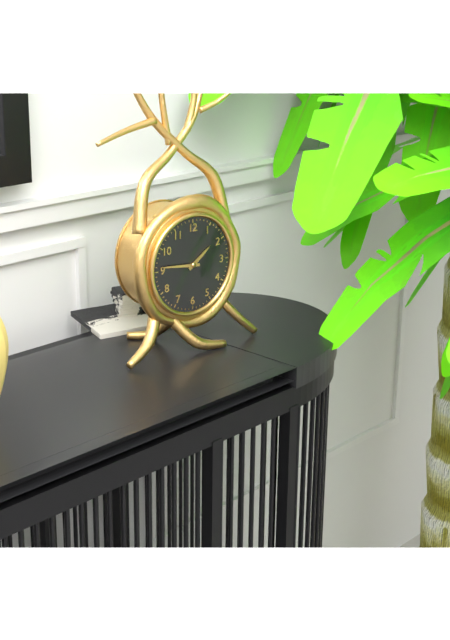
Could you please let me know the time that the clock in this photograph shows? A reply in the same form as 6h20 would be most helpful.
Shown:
1h46
